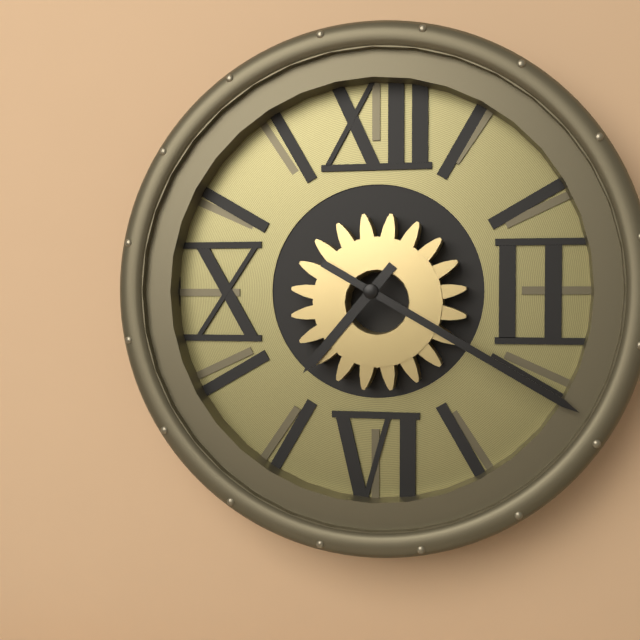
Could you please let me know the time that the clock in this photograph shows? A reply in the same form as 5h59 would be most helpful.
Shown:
7h20
